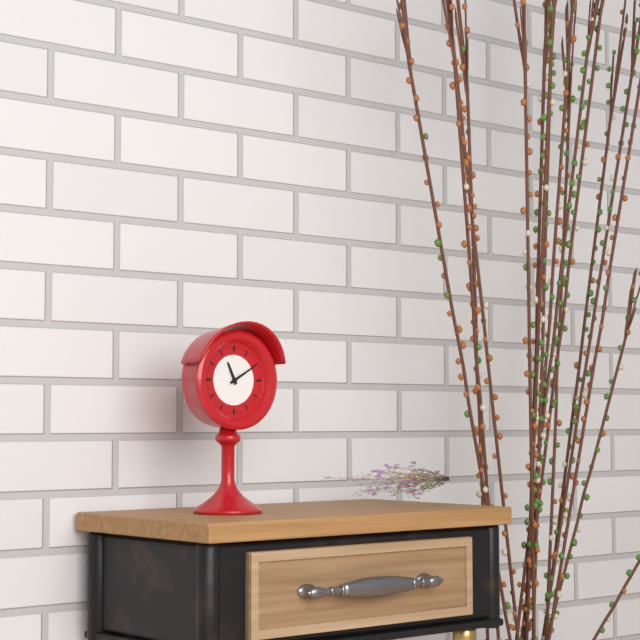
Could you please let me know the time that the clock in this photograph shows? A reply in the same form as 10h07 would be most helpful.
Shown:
11h10
